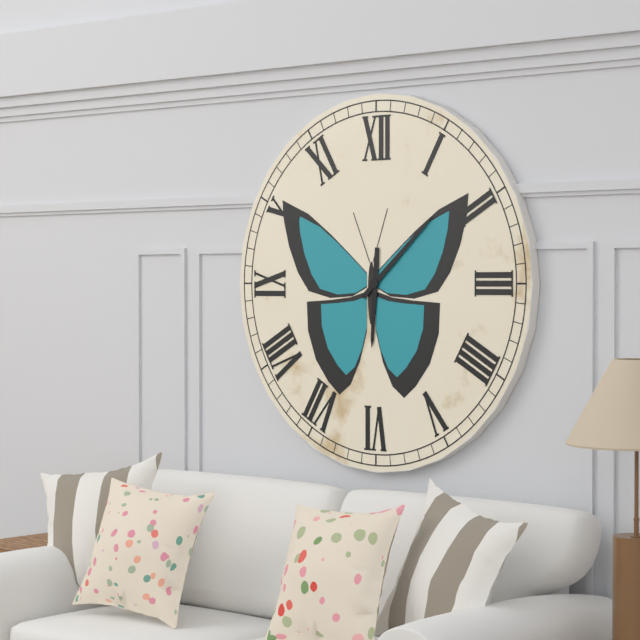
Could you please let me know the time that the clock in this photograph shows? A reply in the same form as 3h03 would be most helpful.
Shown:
6h08
